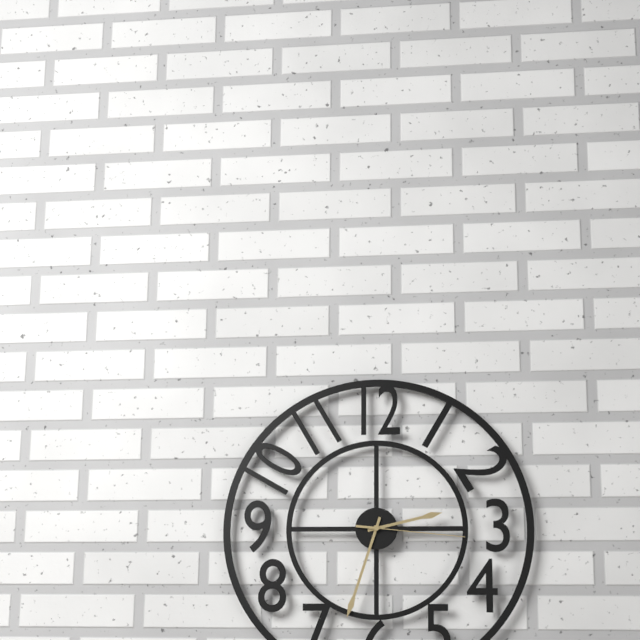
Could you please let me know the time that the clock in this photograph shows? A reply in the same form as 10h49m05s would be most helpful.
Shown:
2h33m16s
